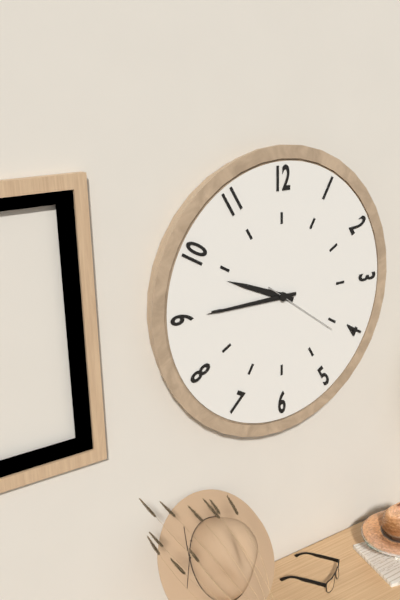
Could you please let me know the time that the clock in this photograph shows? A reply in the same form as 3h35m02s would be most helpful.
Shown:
9h45m21s
